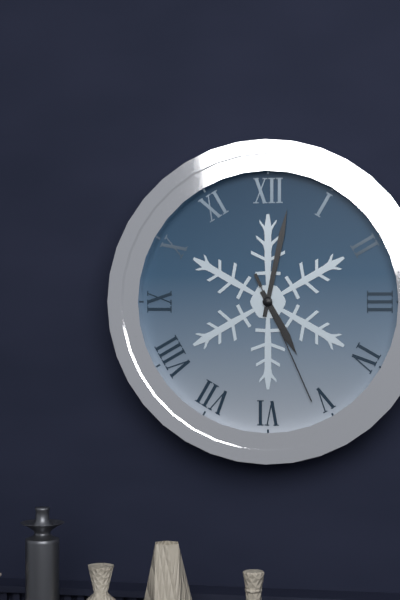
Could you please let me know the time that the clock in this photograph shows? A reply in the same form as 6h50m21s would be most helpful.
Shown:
5h02m26s
